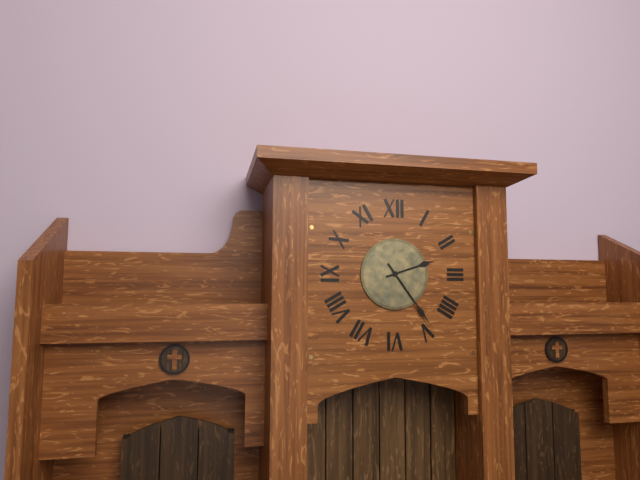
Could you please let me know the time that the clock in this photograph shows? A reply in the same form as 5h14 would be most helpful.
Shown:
2h24
